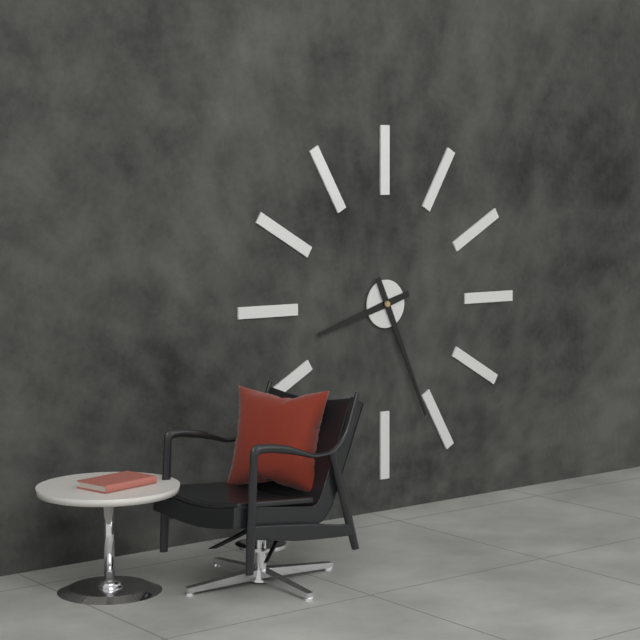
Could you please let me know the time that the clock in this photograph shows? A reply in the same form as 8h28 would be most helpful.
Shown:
8h26
